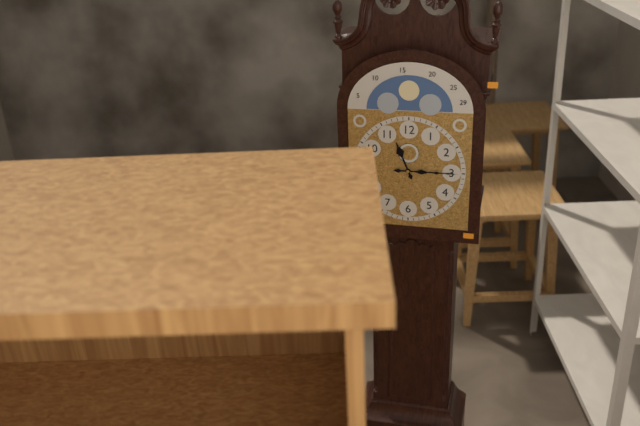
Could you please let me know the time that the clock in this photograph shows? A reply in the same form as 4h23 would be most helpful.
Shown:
11h15
